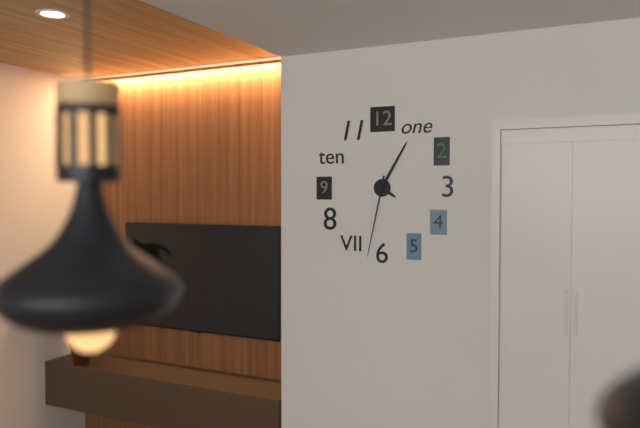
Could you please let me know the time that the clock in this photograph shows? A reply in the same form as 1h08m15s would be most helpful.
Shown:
4h05m32s
